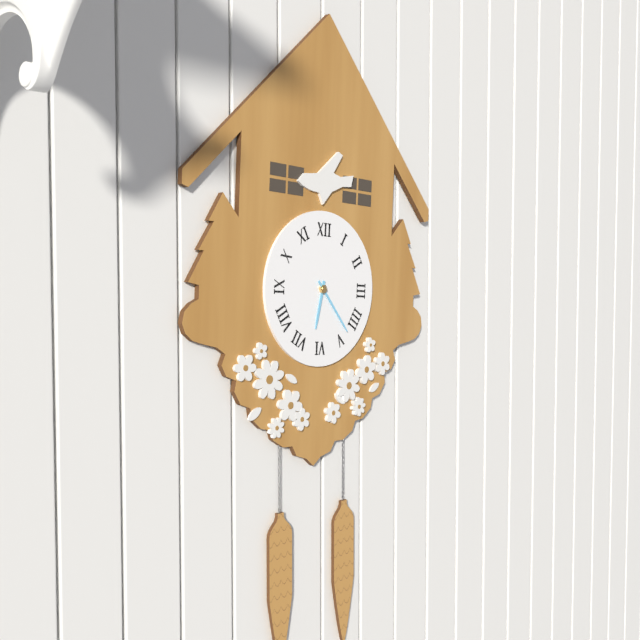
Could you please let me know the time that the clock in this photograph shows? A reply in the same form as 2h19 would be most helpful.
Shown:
6h23
